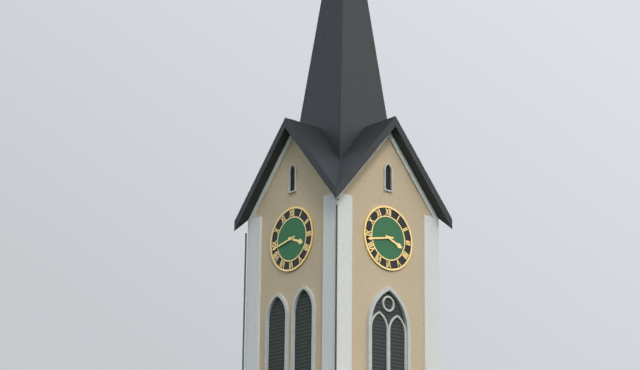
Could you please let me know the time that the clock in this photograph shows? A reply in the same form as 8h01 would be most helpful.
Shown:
3h43
